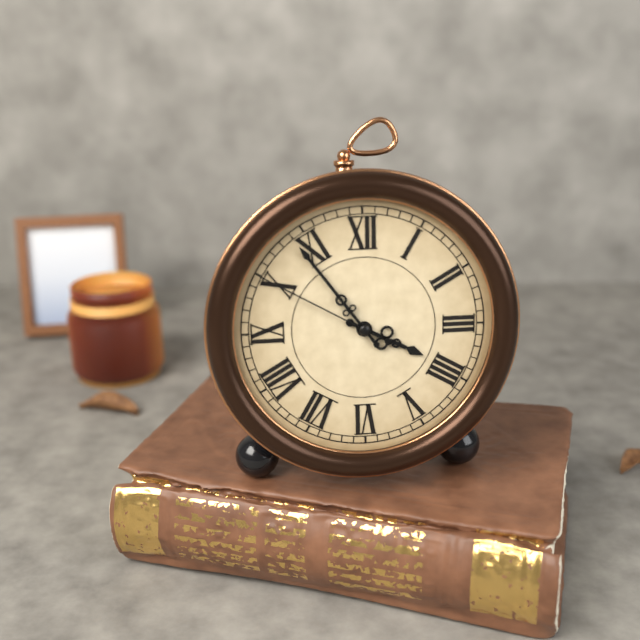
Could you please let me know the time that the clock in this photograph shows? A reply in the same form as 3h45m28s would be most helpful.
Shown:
3h54m50s
